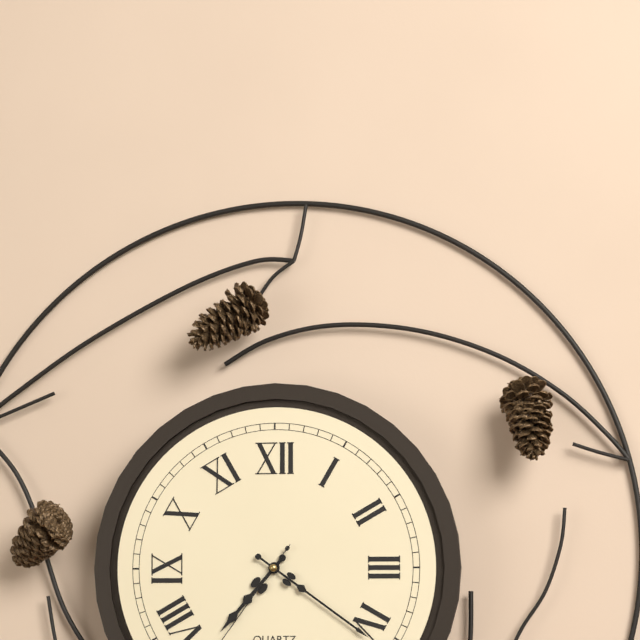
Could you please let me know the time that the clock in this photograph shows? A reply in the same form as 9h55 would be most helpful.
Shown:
7h21
